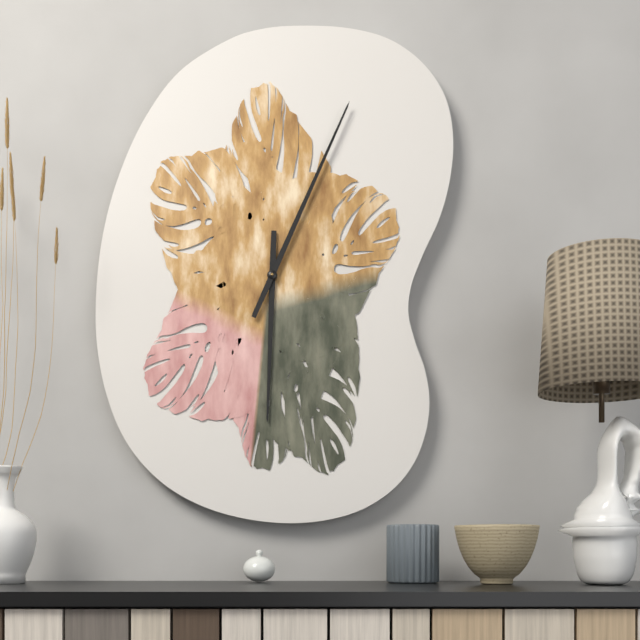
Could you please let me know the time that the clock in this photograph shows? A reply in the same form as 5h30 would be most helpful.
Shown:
6h04
